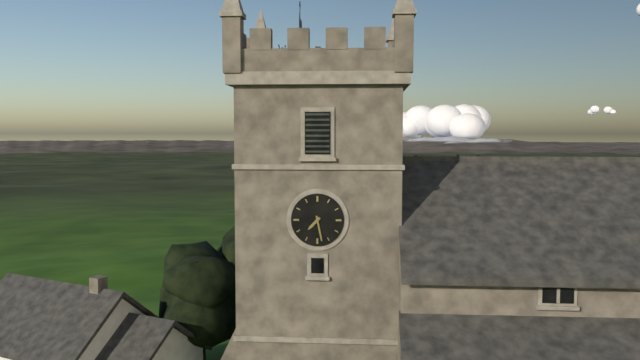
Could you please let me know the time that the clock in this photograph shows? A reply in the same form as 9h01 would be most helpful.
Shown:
7h28
